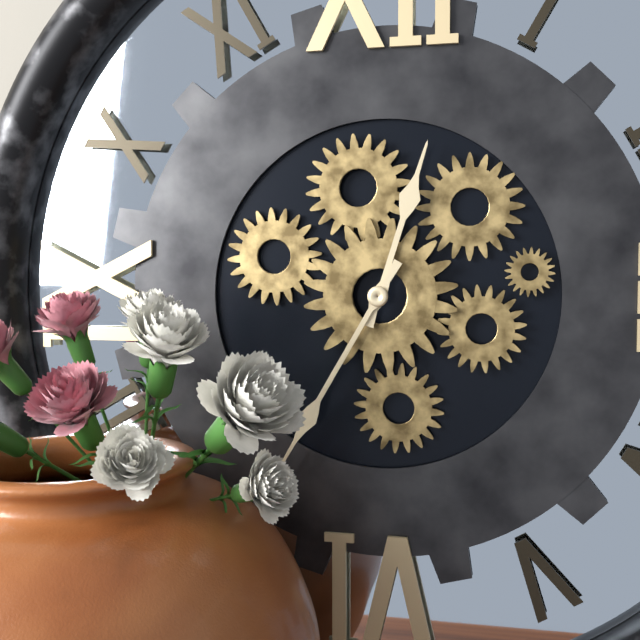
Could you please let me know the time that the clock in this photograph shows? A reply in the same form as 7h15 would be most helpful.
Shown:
12h35
